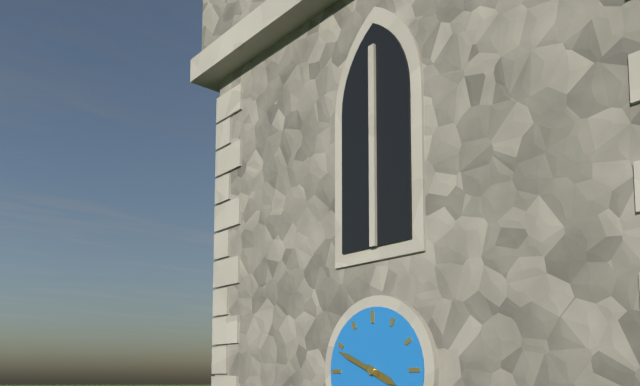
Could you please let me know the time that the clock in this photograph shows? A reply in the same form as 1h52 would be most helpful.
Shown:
3h49
